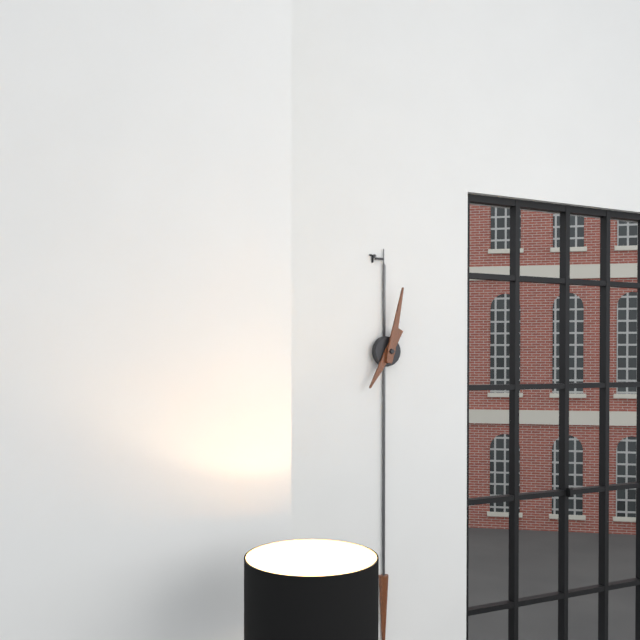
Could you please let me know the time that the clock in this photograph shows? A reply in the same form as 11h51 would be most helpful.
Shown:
7h02
